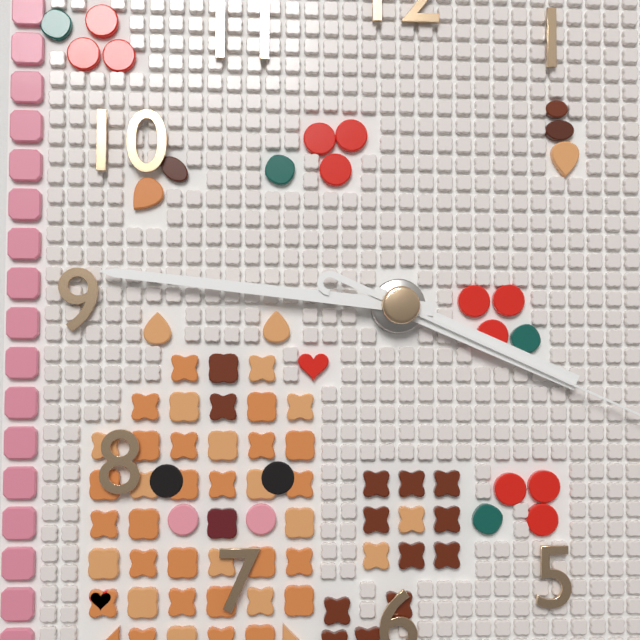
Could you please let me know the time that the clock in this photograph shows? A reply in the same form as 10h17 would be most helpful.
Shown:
3h46
